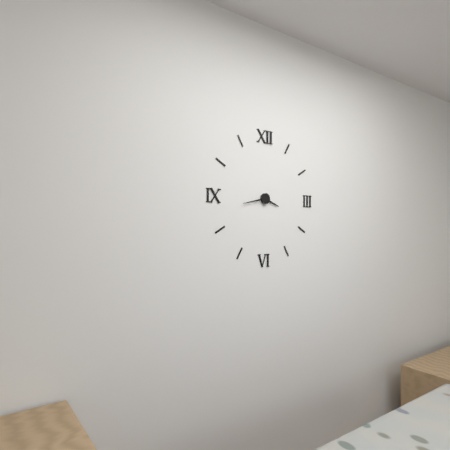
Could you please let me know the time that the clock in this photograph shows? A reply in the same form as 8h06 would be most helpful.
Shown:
3h43
